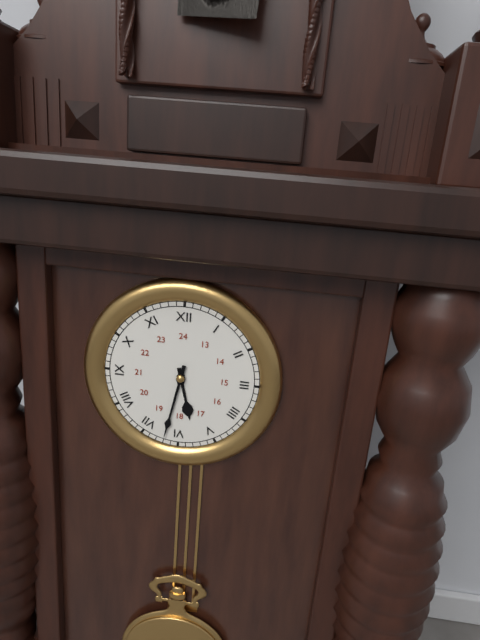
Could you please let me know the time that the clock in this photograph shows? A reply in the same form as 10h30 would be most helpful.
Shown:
5h32
